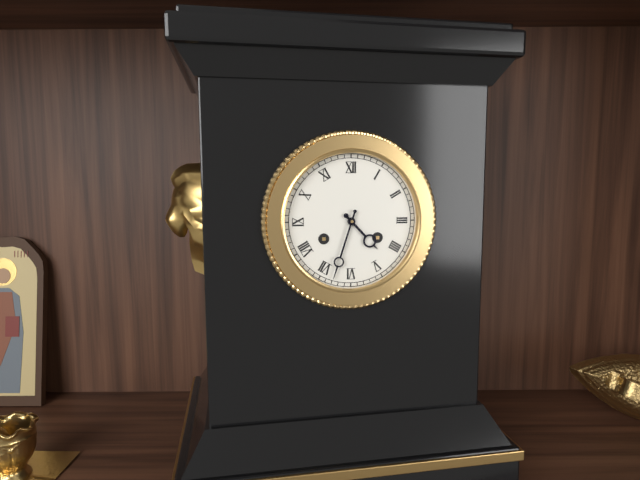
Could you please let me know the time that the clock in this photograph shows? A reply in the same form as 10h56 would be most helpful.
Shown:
4h33
